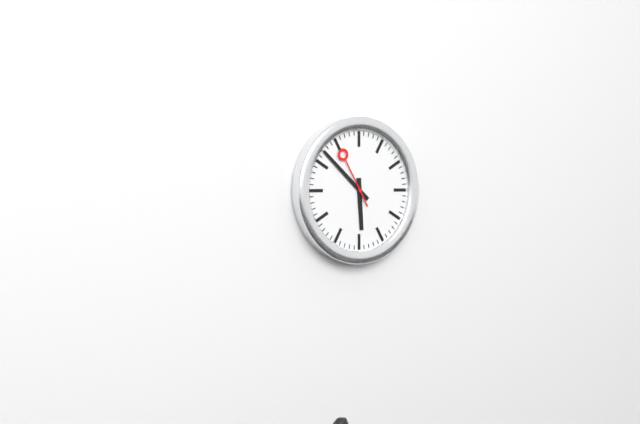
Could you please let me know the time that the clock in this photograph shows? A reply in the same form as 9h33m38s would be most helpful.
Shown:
5h52m55s
